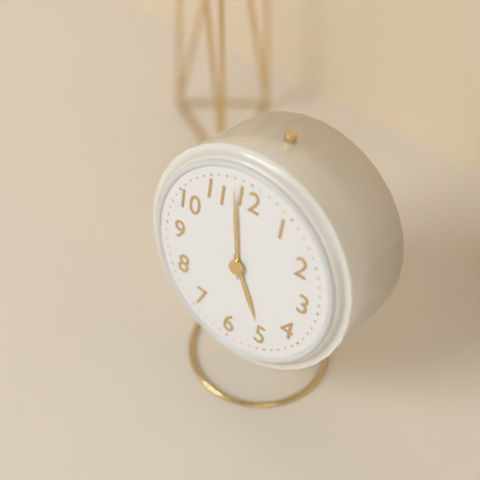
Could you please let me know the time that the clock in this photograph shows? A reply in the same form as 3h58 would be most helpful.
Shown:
4h58
